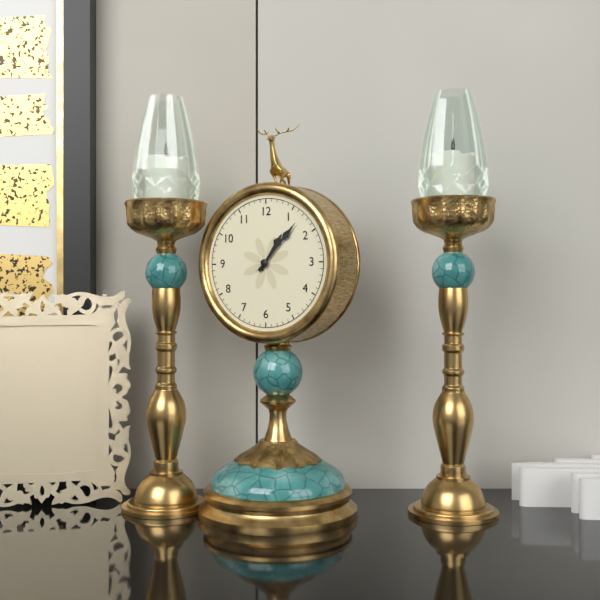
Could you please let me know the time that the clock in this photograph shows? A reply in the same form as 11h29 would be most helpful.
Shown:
1h07
